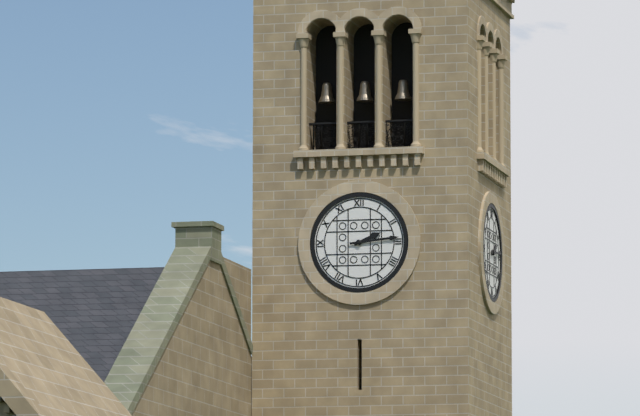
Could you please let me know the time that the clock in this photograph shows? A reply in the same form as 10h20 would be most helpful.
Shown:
2h14
